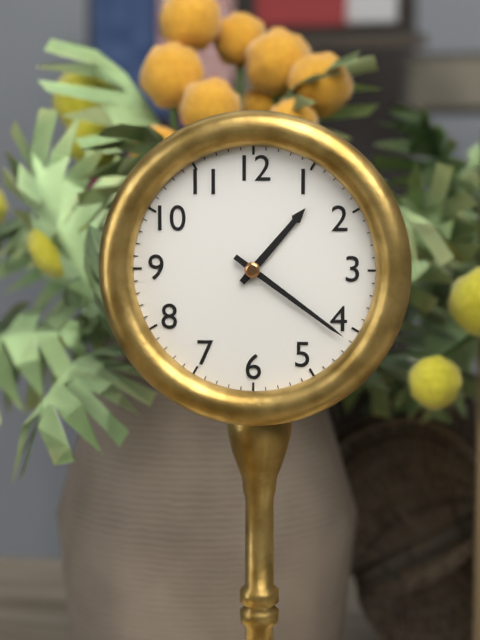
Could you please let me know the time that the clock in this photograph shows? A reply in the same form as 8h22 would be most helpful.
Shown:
1h21
